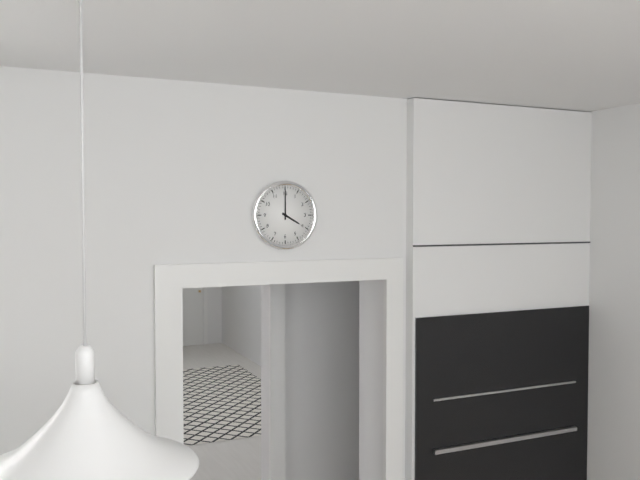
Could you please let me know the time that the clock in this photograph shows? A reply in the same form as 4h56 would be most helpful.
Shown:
4h00
